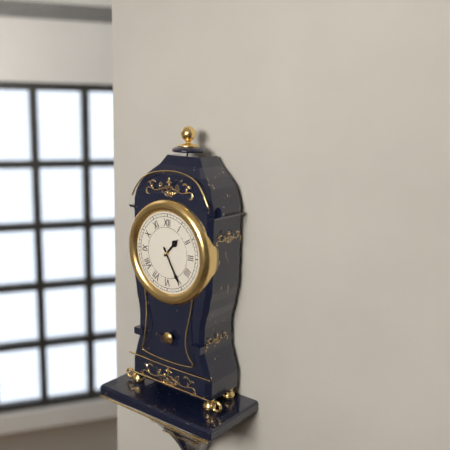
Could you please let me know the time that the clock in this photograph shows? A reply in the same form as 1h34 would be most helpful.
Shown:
1h25
